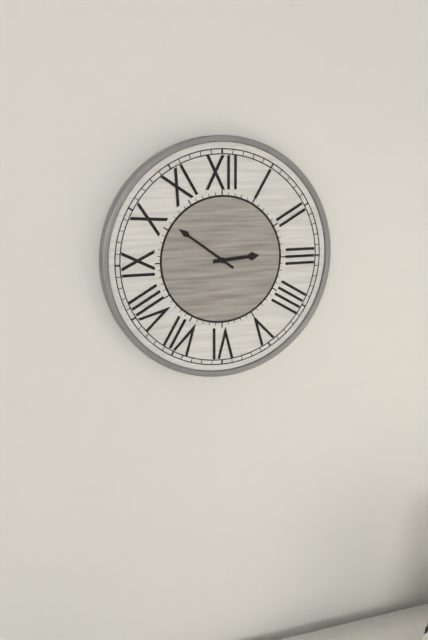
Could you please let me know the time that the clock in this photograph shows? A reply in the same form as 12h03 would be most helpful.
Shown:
2h51
